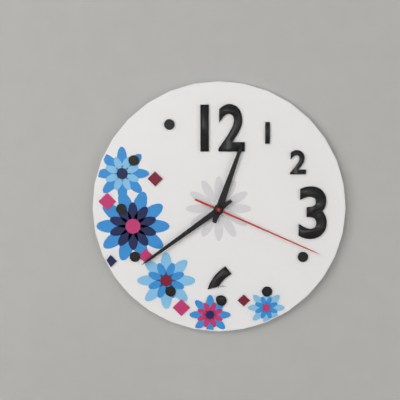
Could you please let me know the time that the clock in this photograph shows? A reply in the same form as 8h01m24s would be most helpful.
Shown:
12h39m19s
